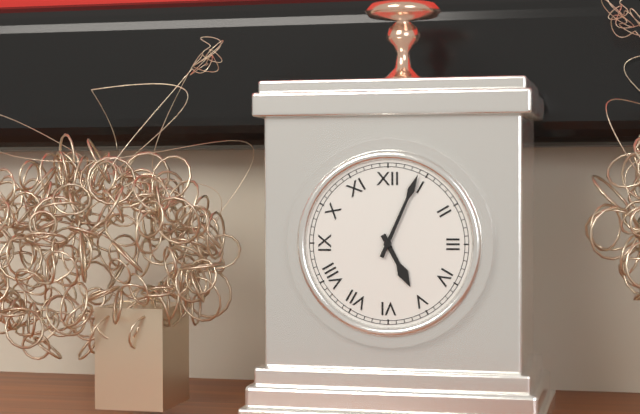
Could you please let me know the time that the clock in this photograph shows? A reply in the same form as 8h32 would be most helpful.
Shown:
5h04
